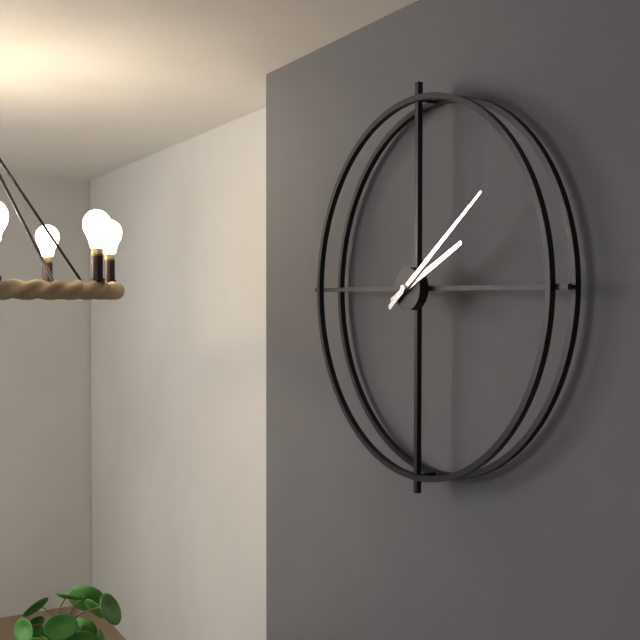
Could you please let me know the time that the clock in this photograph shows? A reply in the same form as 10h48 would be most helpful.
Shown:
2h09
